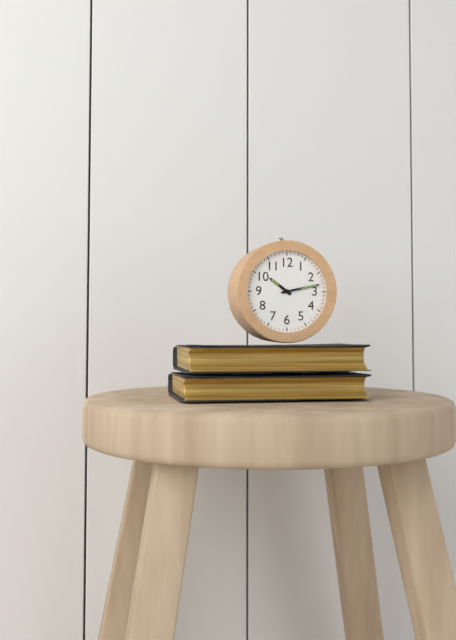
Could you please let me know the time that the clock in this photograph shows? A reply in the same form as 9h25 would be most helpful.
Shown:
10h13
